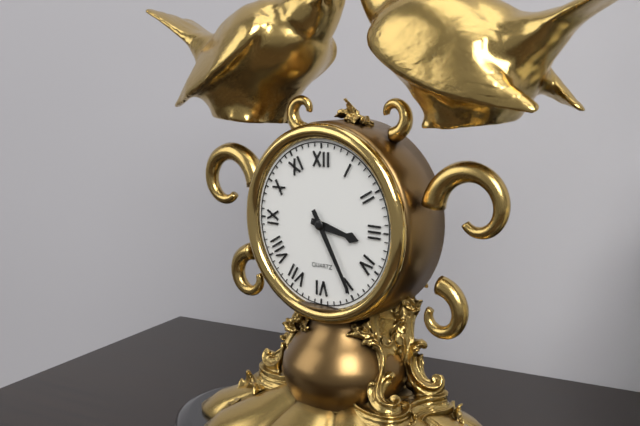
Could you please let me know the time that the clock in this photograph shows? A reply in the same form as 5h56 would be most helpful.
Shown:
3h25
